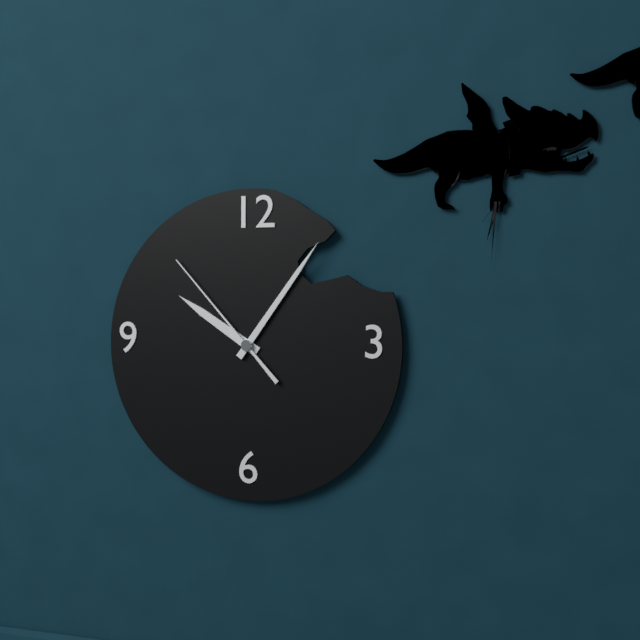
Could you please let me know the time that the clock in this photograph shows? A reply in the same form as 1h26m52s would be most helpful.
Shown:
10h06m53s
